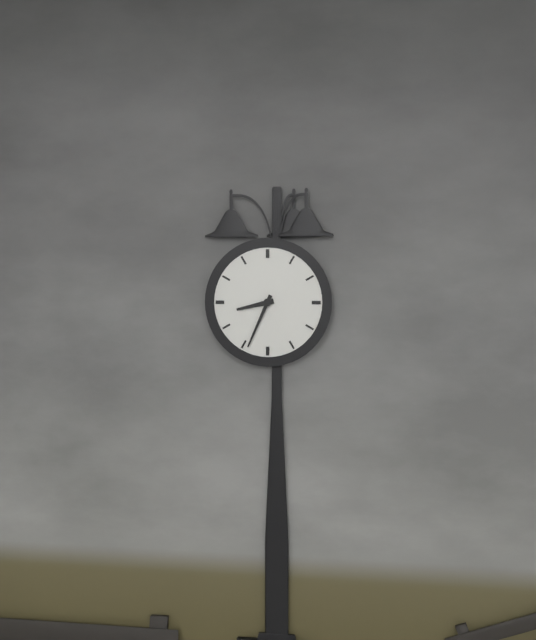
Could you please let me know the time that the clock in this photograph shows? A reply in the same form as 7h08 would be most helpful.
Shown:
8h34
